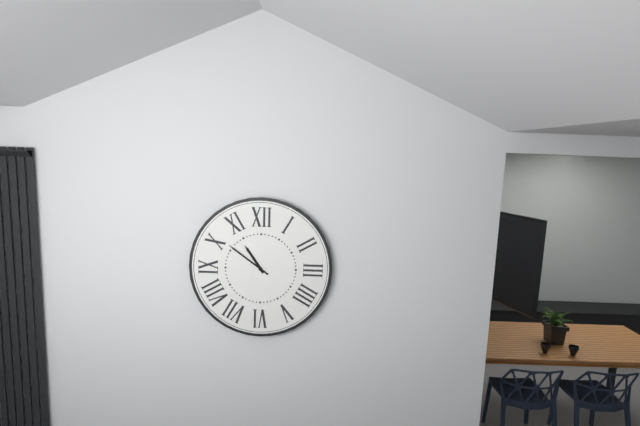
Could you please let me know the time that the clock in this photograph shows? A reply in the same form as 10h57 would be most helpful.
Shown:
10h51
